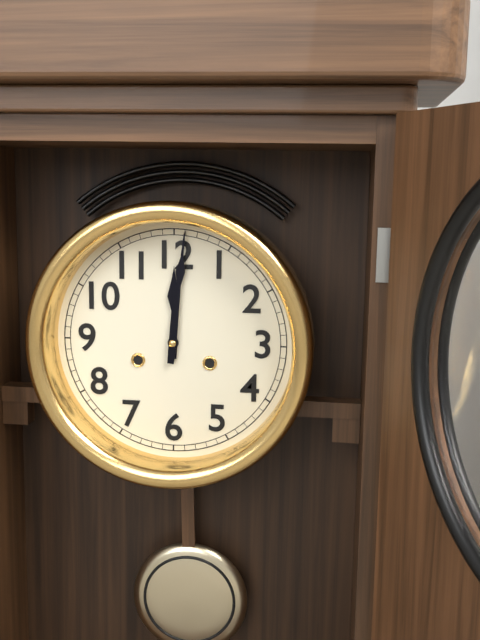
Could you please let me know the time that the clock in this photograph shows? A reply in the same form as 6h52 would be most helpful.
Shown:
12h01
